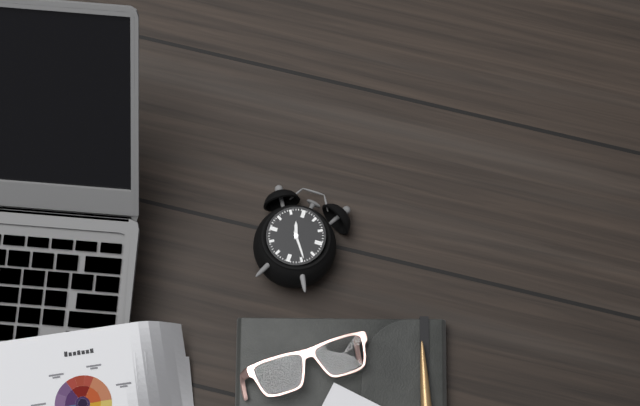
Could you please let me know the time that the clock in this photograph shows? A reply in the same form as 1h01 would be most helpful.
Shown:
11h24
